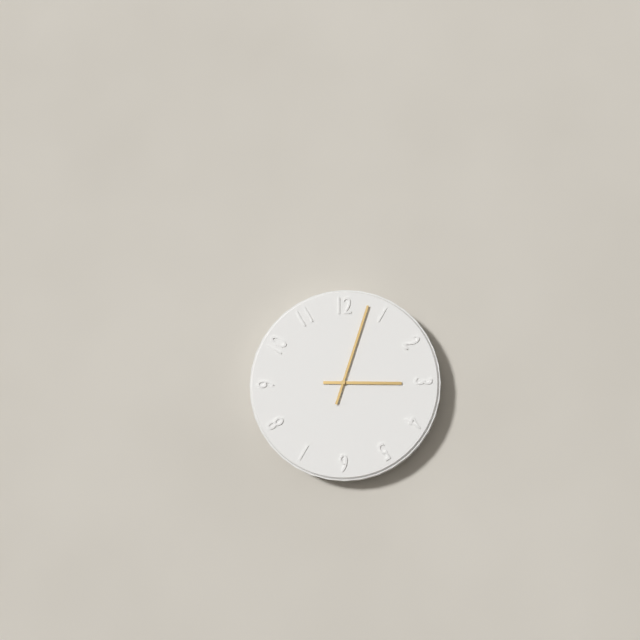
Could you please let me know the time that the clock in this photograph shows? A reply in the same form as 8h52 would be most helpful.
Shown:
3h03
